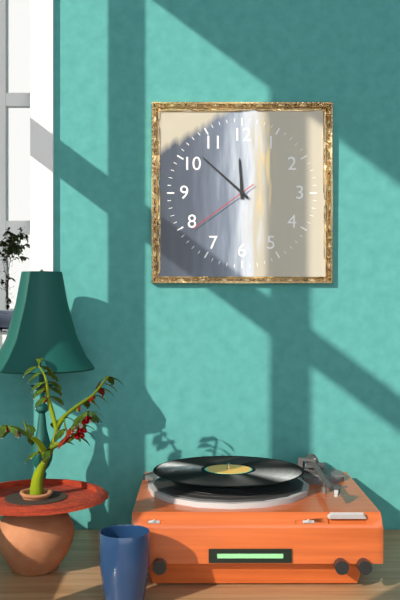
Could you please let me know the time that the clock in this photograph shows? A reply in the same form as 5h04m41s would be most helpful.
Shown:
11h52m39s
